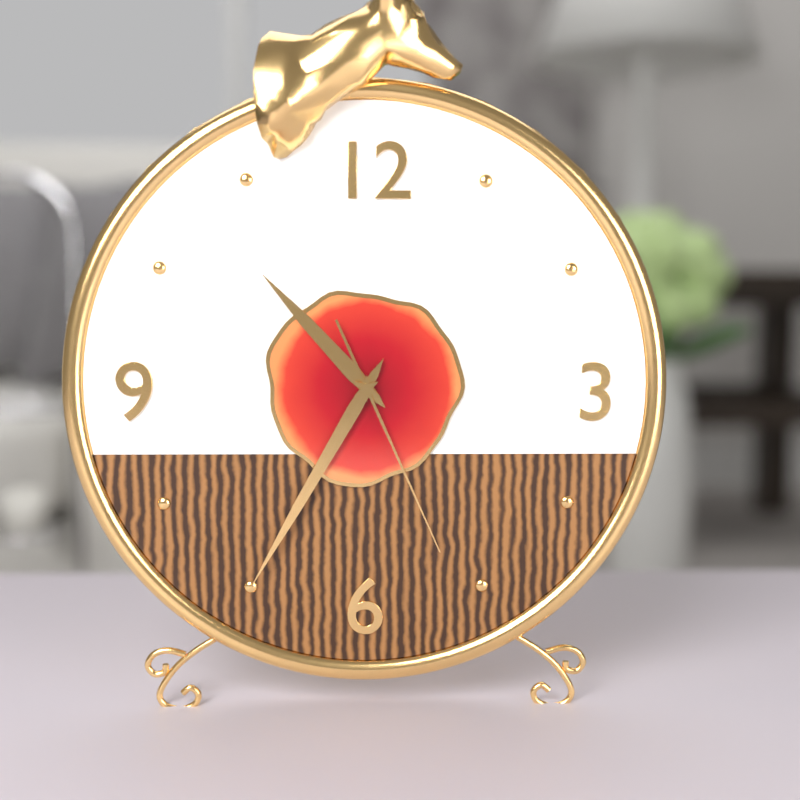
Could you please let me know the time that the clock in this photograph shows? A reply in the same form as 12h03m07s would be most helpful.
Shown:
10h35m26s
